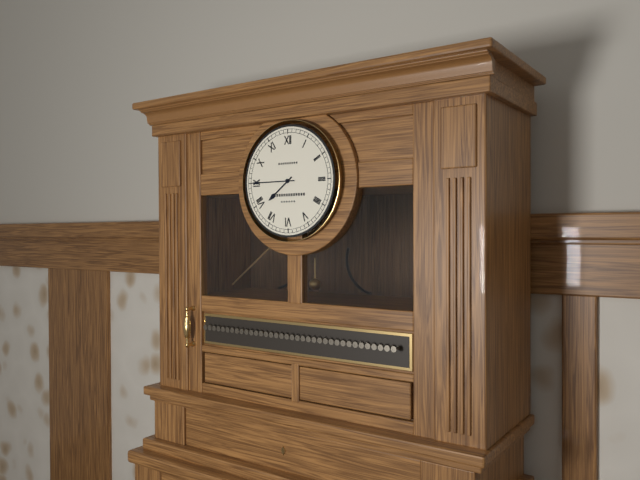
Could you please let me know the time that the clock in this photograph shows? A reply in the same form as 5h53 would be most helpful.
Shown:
7h45
